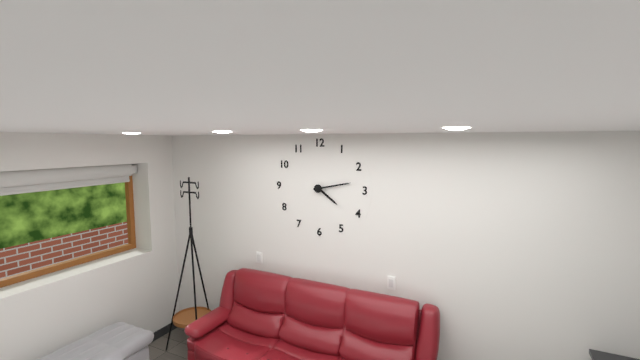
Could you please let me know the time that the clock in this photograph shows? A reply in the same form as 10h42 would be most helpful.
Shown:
4h13
